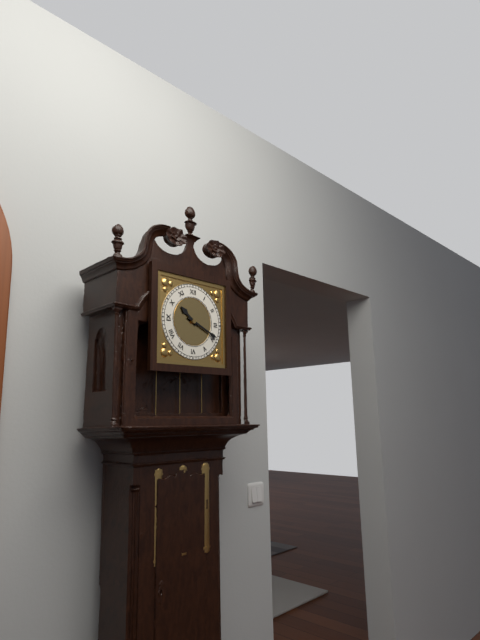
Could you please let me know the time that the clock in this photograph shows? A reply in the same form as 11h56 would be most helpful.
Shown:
10h19
